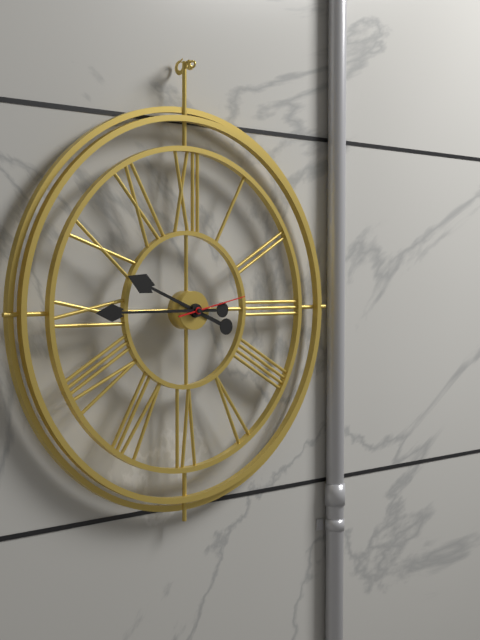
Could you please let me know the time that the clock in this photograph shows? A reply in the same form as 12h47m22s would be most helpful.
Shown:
9h45m13s
